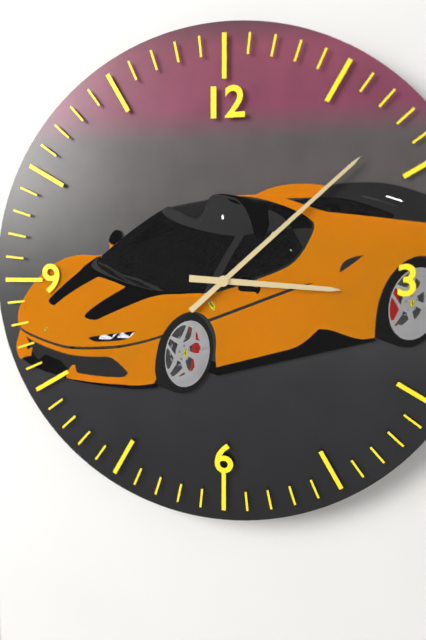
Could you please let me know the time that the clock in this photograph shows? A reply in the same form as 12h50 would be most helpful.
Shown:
3h08
